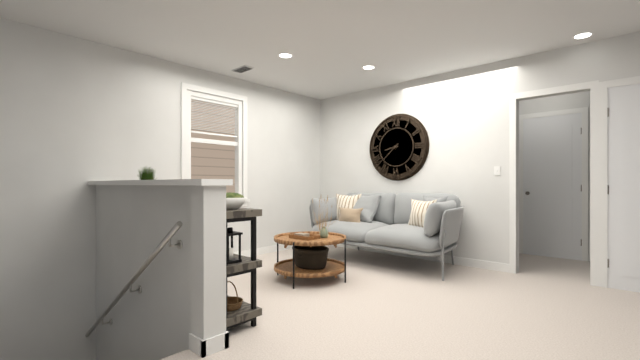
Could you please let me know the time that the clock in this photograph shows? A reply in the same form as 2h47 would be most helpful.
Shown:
8h38
